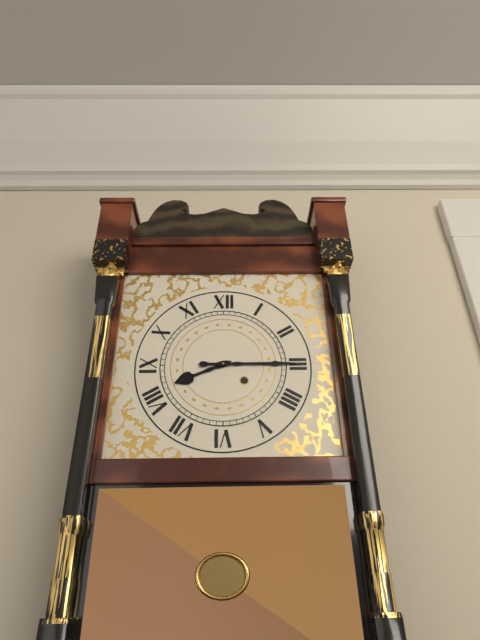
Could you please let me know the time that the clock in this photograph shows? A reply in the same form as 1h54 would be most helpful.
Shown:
8h15
